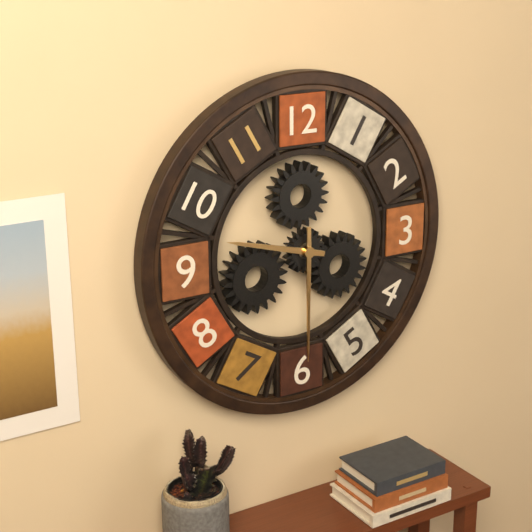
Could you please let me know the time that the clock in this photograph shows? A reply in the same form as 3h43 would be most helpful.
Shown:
9h30
